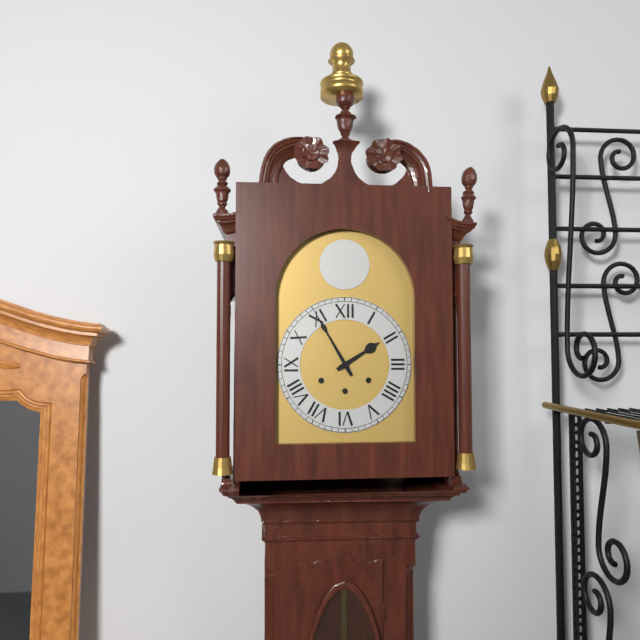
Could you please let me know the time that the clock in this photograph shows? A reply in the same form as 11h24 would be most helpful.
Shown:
1h55
